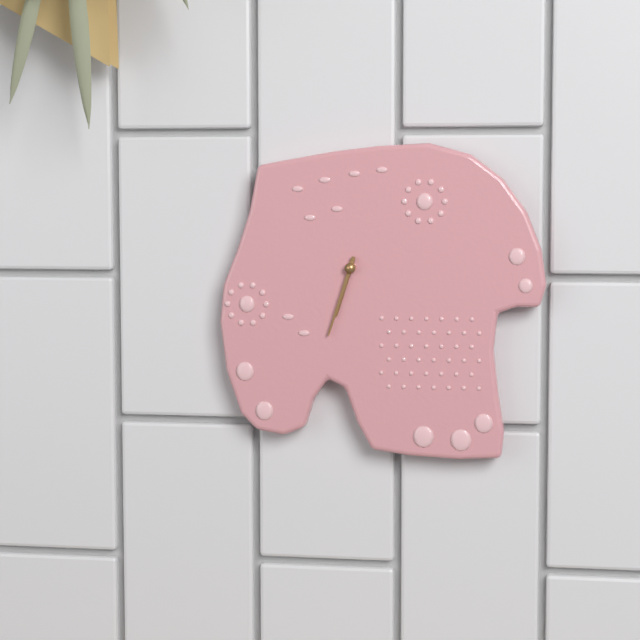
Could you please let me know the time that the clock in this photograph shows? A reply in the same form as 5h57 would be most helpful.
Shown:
6h33
